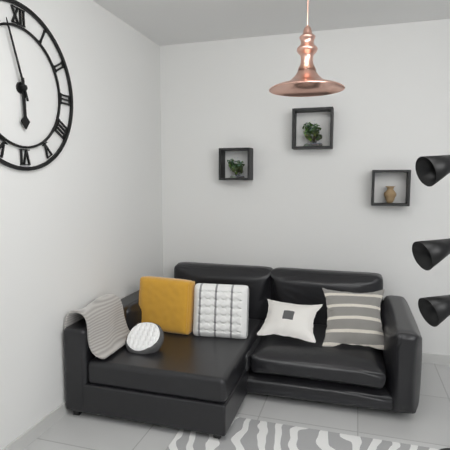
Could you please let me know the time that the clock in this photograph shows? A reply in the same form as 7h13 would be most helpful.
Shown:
5h57
